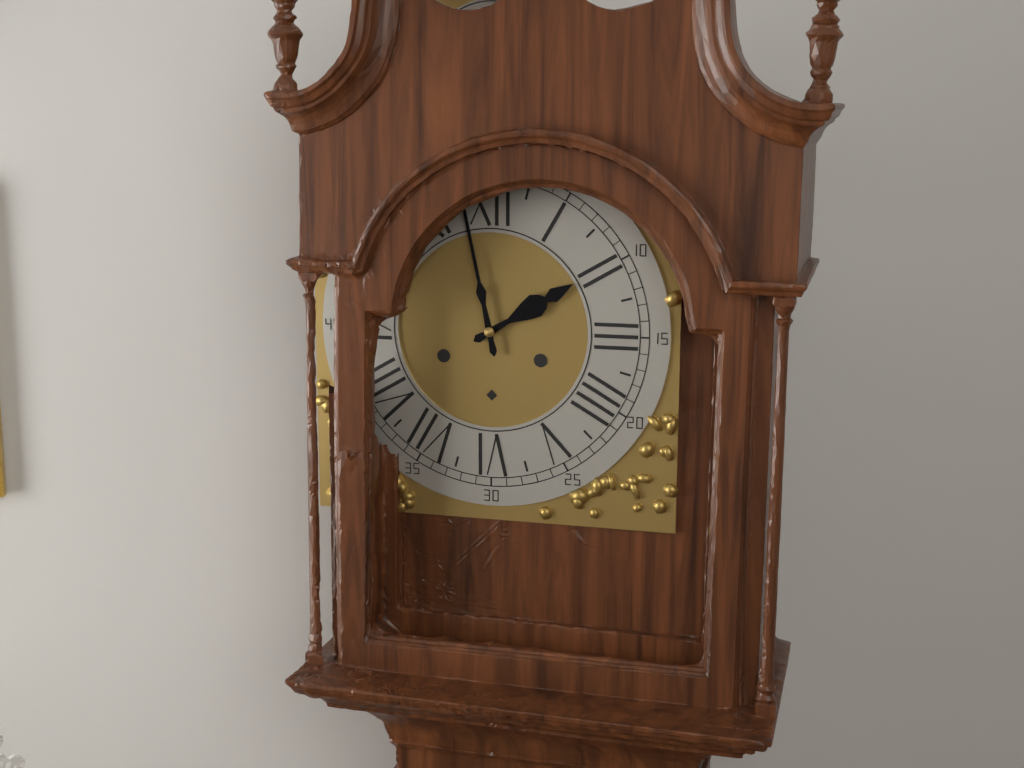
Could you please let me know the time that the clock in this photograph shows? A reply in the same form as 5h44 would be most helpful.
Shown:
1h58
